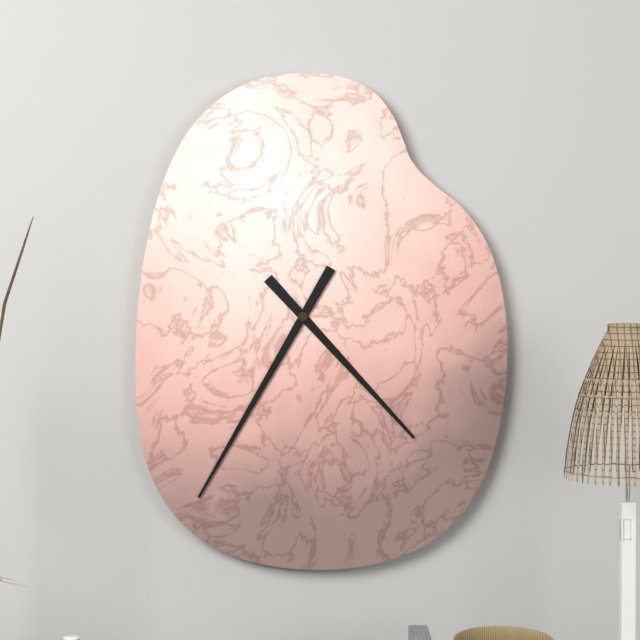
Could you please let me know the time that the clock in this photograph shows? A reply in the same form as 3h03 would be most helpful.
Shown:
4h35
